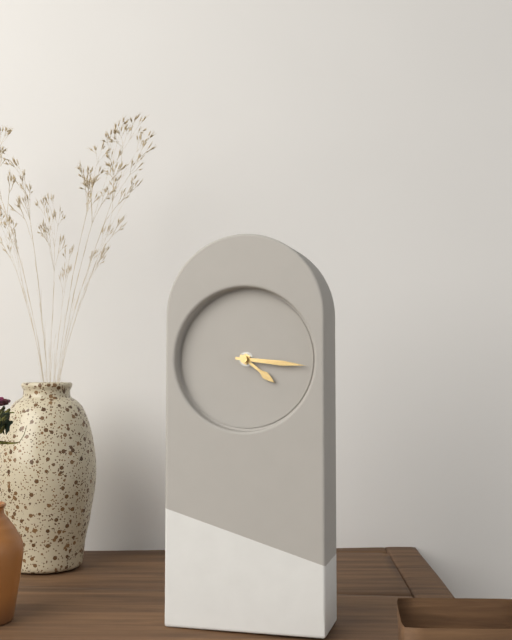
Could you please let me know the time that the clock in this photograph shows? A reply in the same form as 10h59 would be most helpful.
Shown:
4h16
